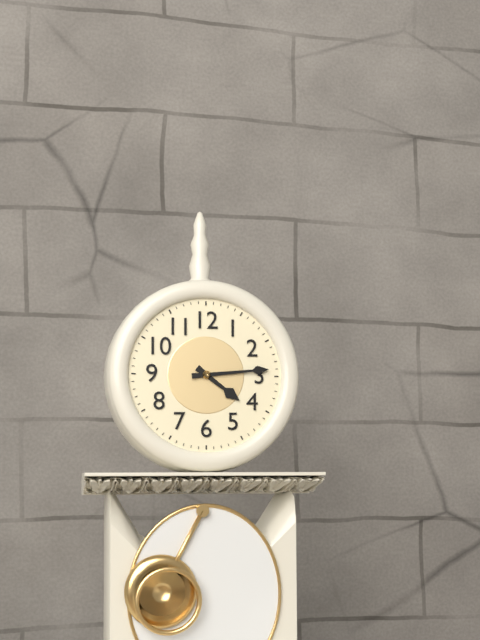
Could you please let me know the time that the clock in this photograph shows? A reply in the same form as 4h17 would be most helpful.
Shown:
4h14
